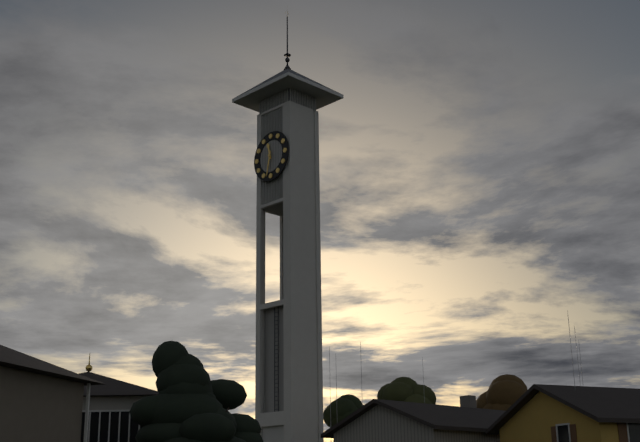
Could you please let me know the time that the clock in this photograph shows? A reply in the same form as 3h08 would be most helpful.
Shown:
11h32
